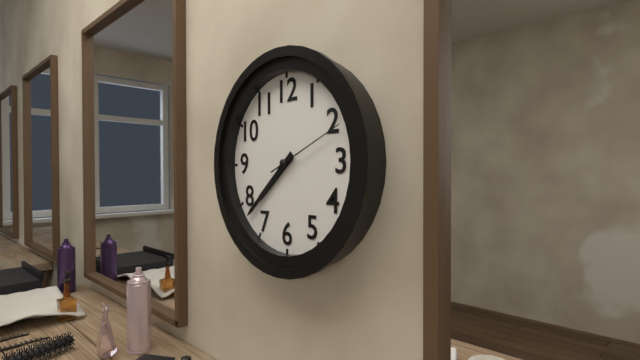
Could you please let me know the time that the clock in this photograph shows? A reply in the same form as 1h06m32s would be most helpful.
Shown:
7h38m11s
